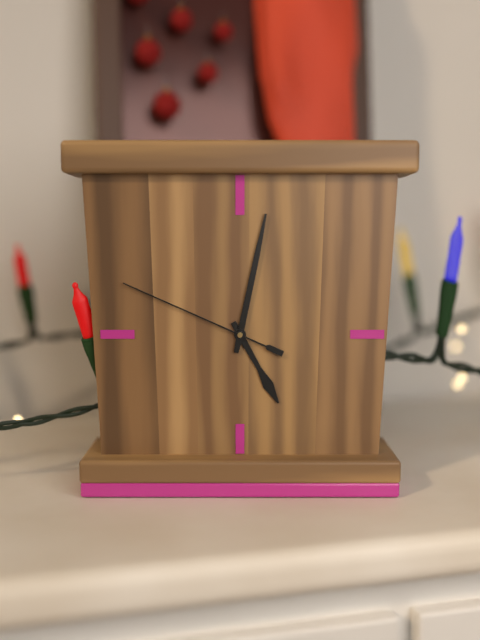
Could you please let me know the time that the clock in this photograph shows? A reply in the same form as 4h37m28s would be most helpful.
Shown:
5h02m49s
